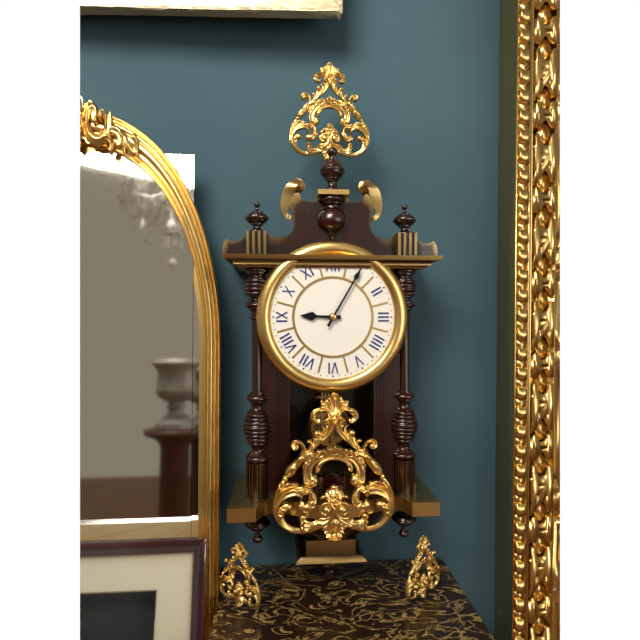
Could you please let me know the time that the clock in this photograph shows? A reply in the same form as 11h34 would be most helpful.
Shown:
9h05
